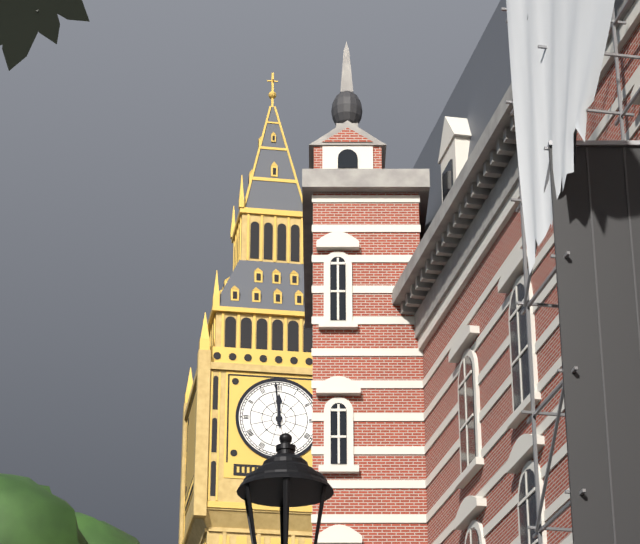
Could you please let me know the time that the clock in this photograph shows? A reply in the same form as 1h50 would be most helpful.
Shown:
11h59
